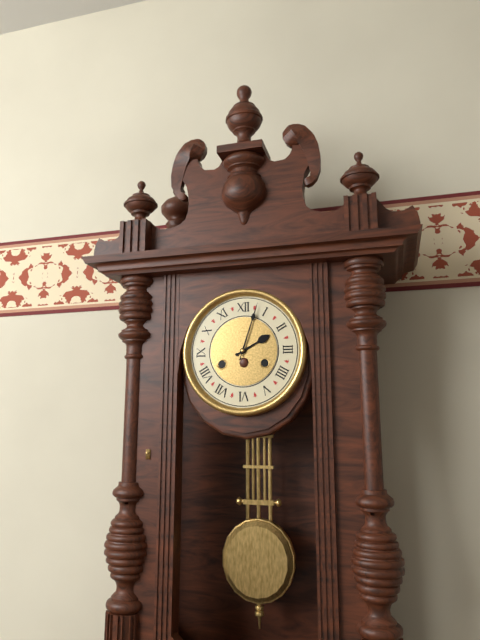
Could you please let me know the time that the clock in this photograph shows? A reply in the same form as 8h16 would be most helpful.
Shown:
2h03
